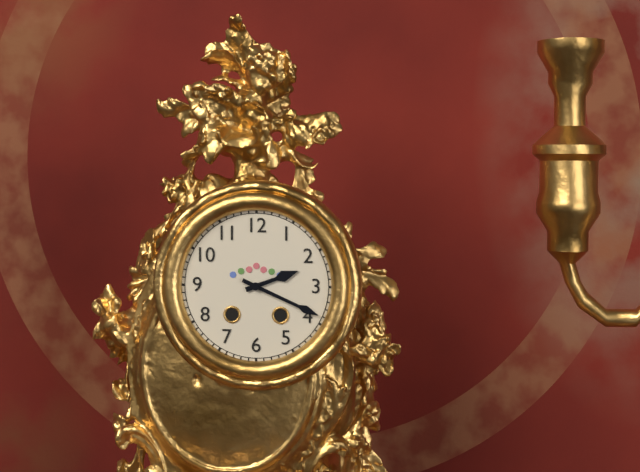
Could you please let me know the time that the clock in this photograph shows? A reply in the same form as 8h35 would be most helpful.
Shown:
2h19
